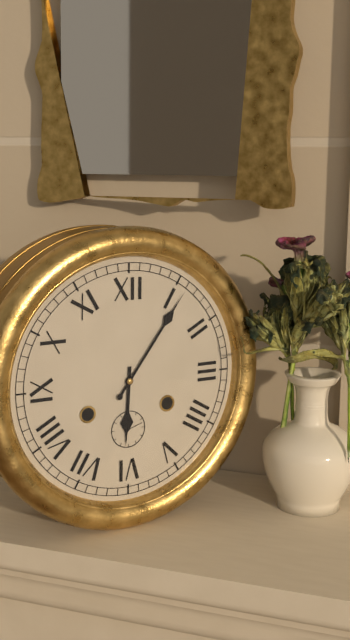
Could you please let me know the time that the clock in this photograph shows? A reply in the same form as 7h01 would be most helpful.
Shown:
6h06
